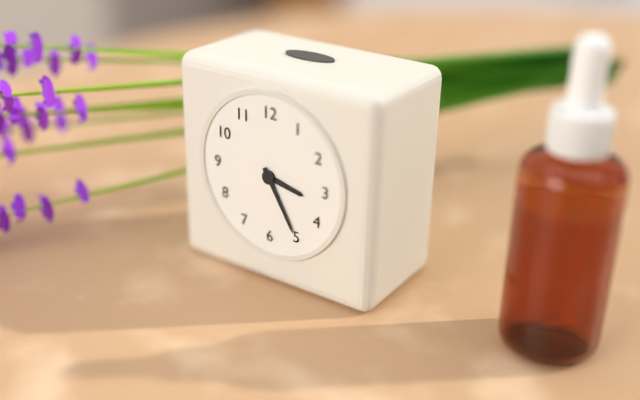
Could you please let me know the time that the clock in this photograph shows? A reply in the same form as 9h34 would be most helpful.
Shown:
3h25
